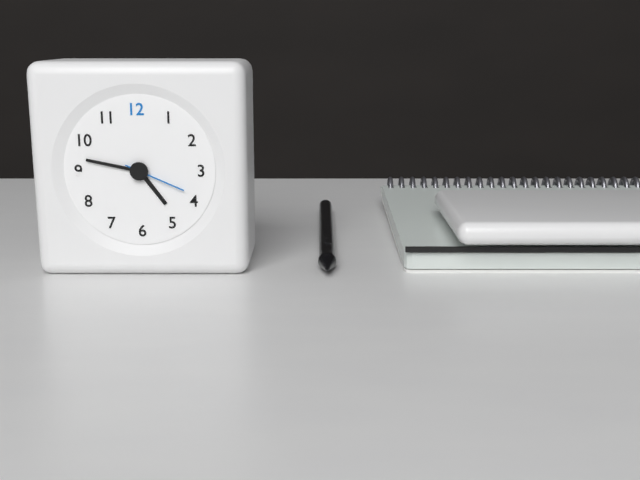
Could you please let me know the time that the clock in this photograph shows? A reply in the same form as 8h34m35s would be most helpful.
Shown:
4h47m19s
